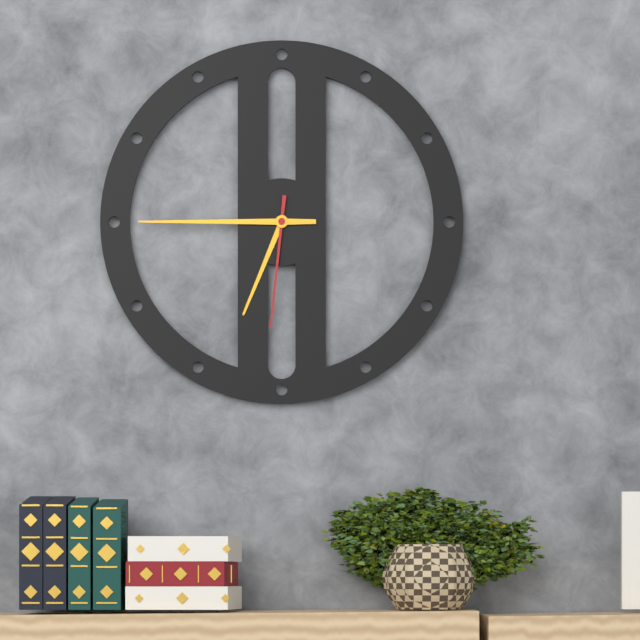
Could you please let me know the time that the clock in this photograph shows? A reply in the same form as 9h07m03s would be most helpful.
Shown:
6h45m31s
